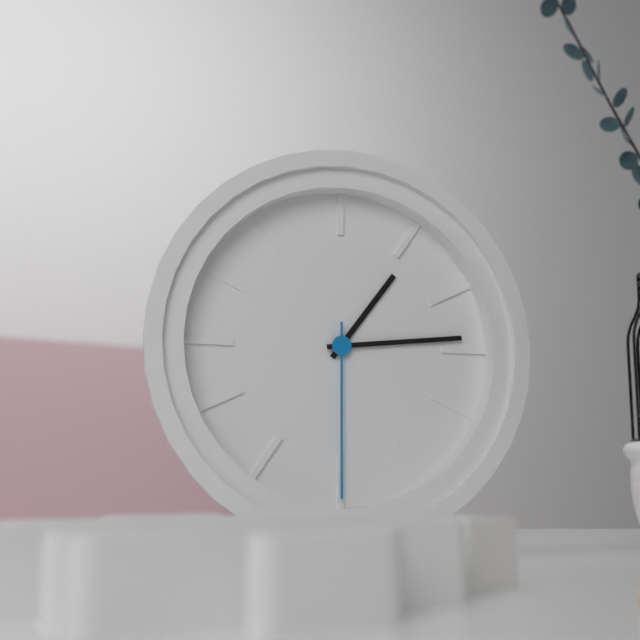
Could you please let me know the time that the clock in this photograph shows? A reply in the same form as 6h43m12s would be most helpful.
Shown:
1h14m30s
